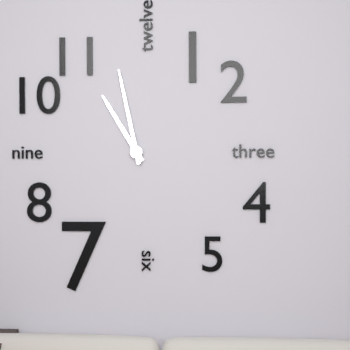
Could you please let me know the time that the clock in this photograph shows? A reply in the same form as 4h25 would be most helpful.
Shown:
10h58
